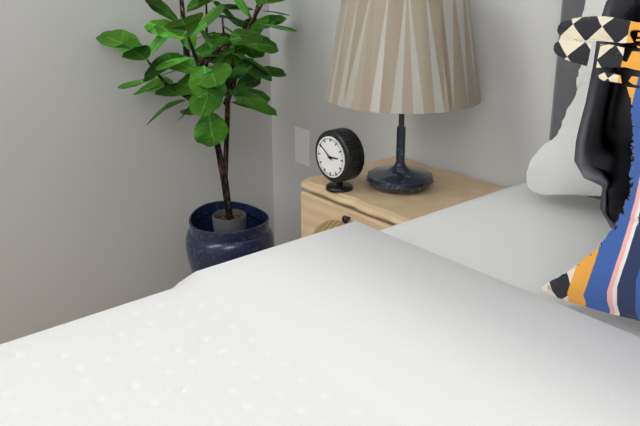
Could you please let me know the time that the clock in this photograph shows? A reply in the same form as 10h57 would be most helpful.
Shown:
2h51
